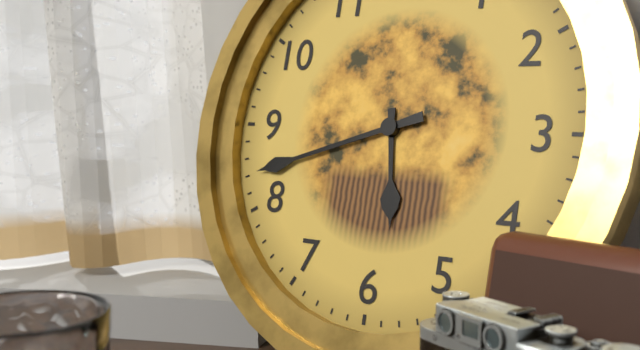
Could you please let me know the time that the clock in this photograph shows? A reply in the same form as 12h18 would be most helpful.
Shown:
5h42
